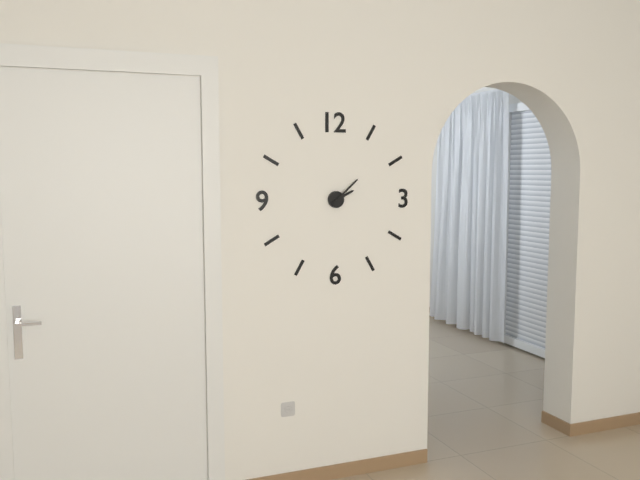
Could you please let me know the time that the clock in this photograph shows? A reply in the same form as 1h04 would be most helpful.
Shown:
2h08
